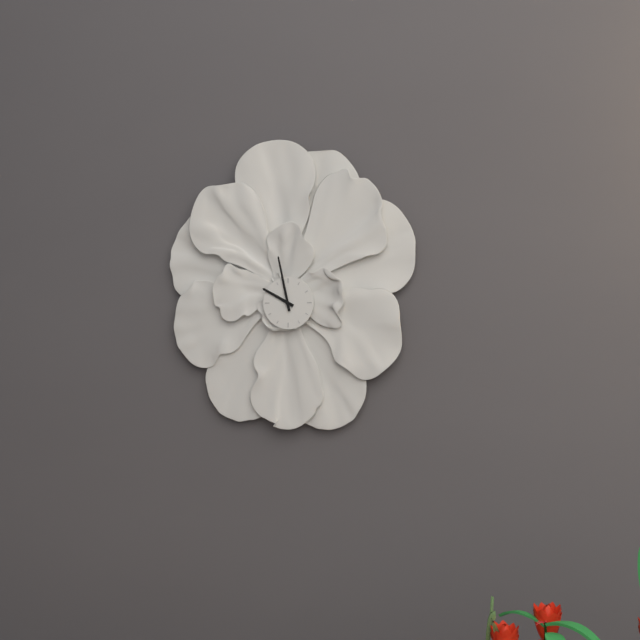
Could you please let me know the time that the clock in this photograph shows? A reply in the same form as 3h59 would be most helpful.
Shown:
9h58
